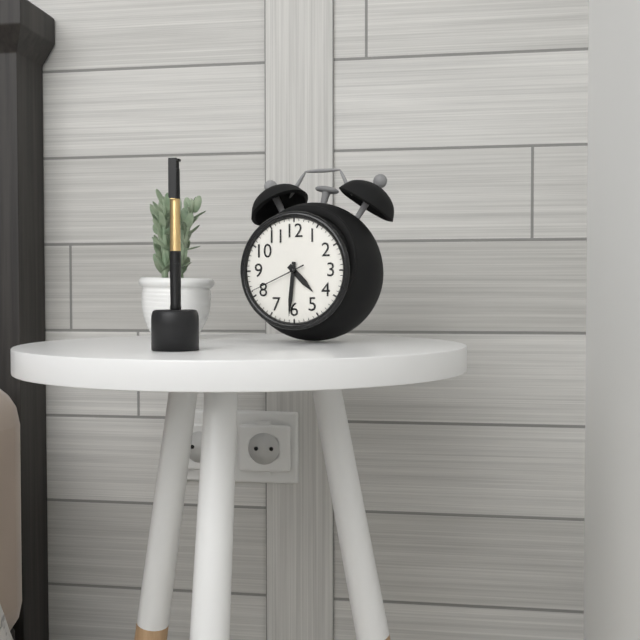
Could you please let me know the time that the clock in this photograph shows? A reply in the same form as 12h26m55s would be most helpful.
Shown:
4h31m41s
